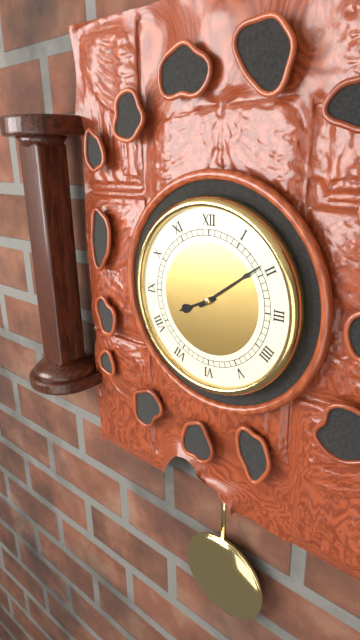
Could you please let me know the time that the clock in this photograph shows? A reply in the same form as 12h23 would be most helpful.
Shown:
8h09
